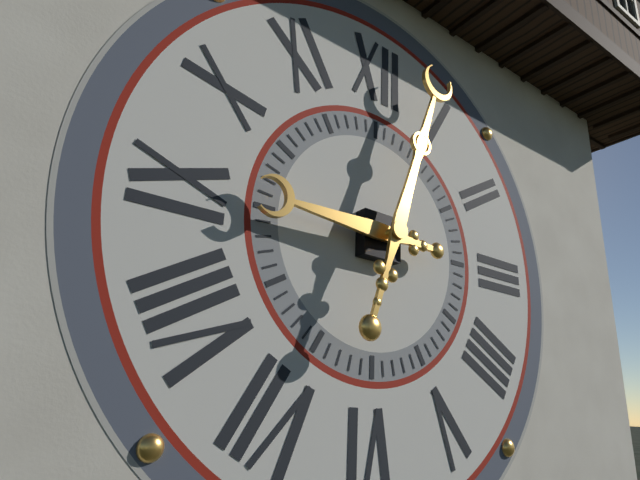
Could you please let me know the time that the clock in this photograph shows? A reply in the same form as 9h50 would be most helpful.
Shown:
9h03
